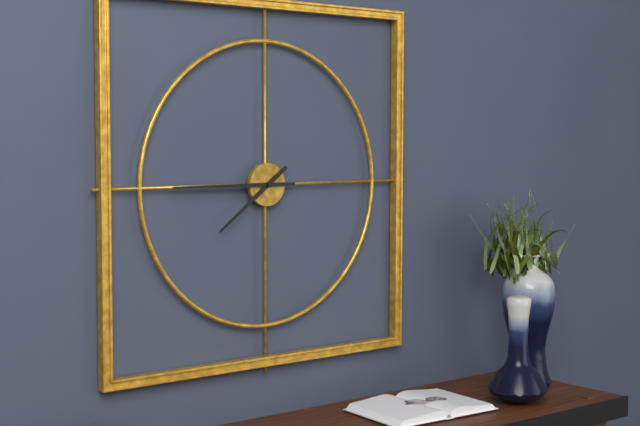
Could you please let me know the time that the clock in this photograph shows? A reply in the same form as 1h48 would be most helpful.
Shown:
7h45
